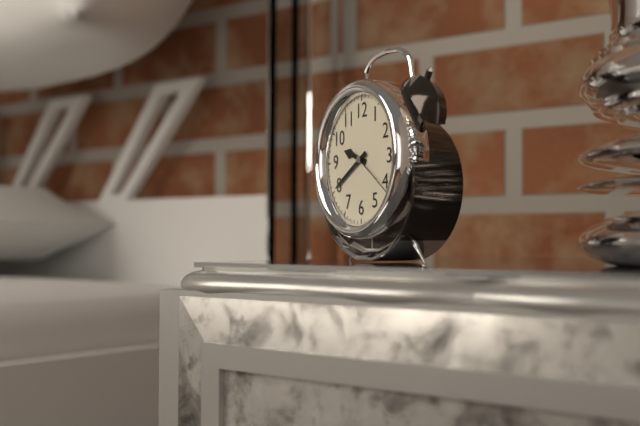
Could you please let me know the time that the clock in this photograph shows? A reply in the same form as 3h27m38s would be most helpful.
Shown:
9h40m21s
